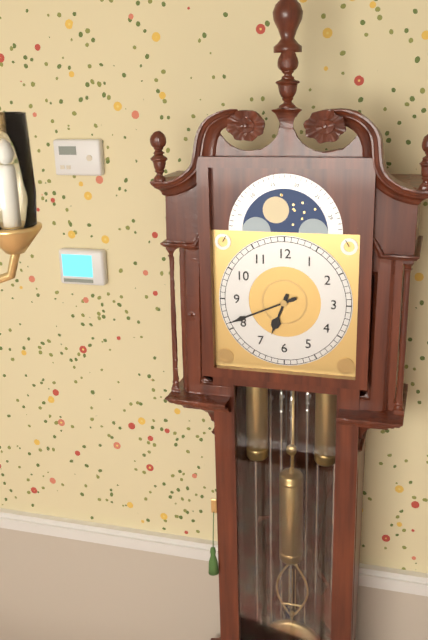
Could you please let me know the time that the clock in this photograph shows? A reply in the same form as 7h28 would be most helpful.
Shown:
6h41
